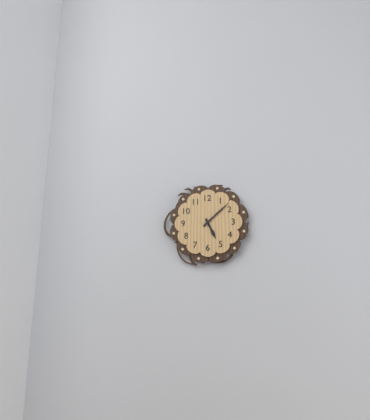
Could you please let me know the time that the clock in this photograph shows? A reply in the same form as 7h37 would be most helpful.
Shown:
5h08
